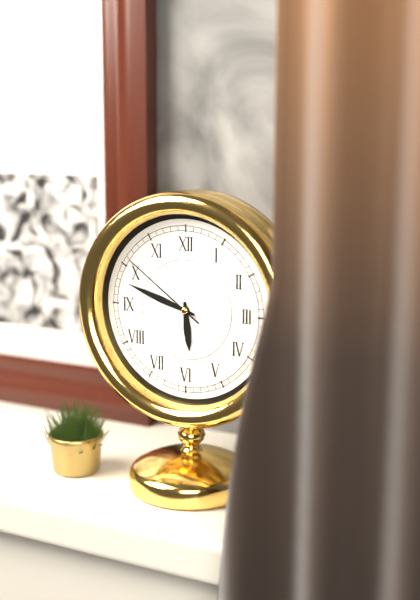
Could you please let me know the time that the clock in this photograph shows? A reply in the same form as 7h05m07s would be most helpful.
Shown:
5h48m51s
